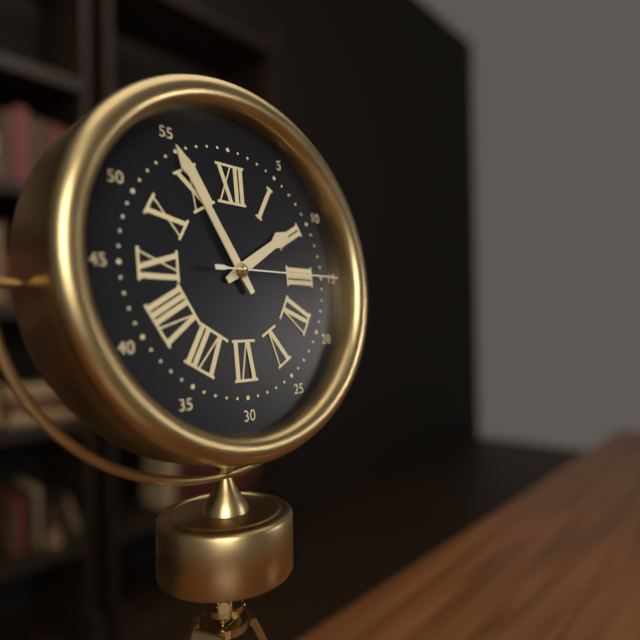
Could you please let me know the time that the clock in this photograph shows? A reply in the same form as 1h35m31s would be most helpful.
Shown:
1h55m15s
